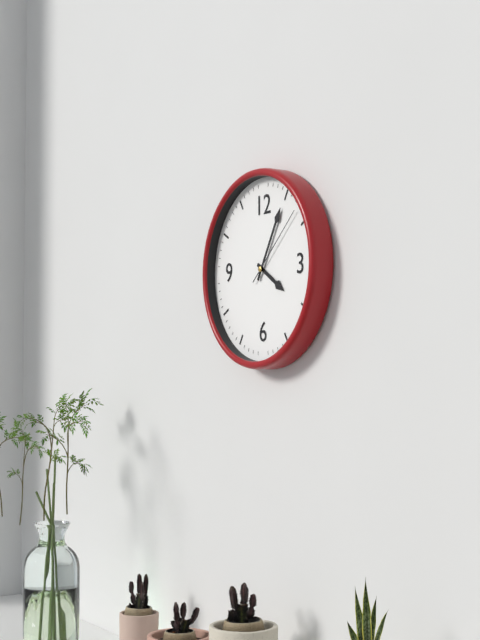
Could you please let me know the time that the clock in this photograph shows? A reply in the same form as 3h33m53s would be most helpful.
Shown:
4h05m08s
